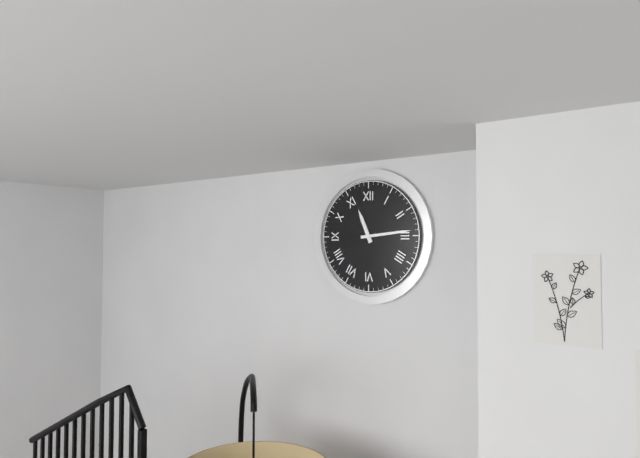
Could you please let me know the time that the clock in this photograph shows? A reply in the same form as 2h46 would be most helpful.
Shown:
11h14
